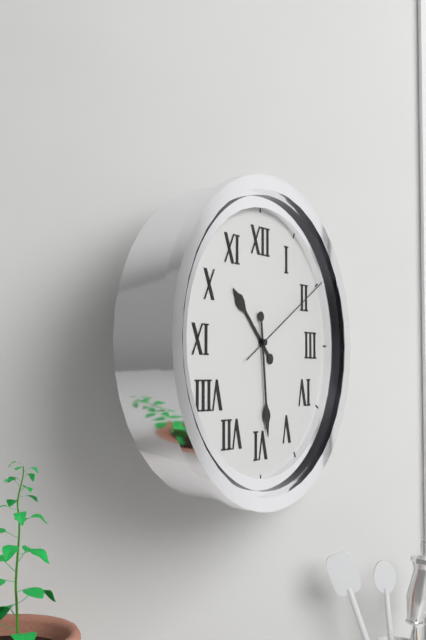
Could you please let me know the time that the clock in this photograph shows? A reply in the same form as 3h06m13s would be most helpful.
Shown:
10h29m10s
